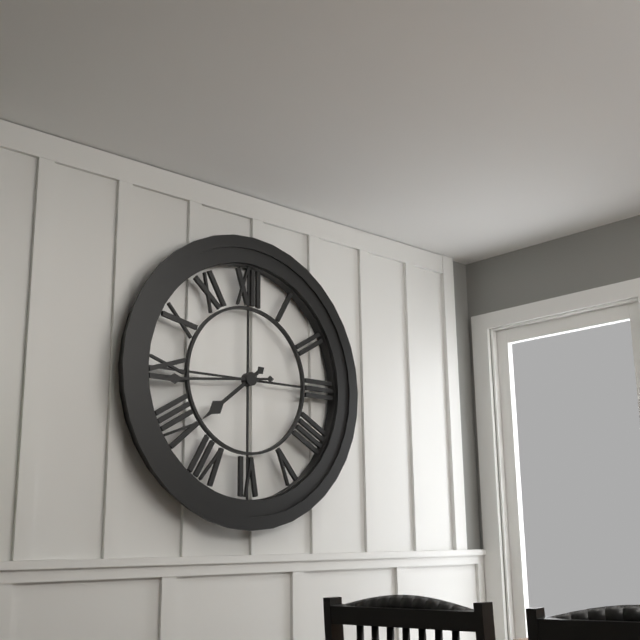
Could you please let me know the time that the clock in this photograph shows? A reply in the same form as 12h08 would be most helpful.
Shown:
7h44
